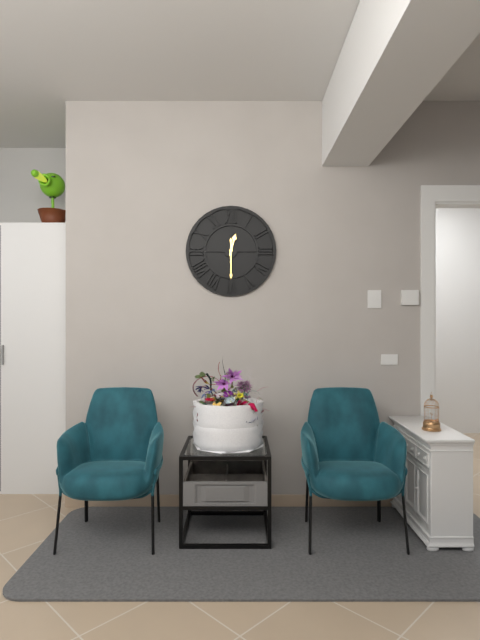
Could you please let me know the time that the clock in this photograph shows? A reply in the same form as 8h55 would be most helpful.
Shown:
12h30
